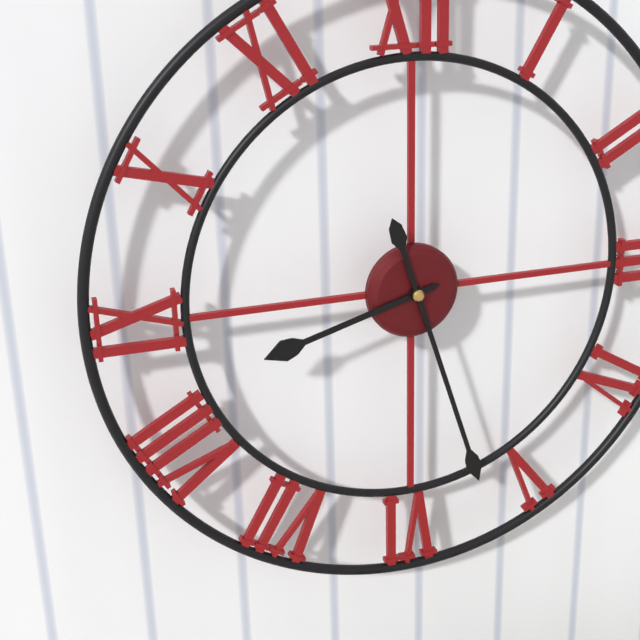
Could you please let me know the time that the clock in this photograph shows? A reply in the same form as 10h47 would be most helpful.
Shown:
8h27
